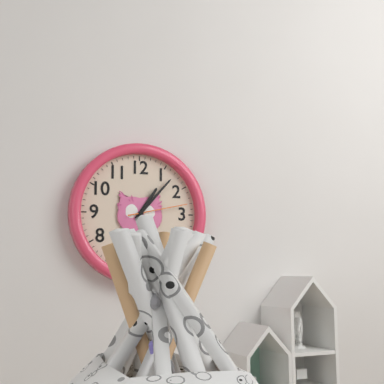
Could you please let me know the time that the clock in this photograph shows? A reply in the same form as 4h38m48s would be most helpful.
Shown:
1h07m13s
